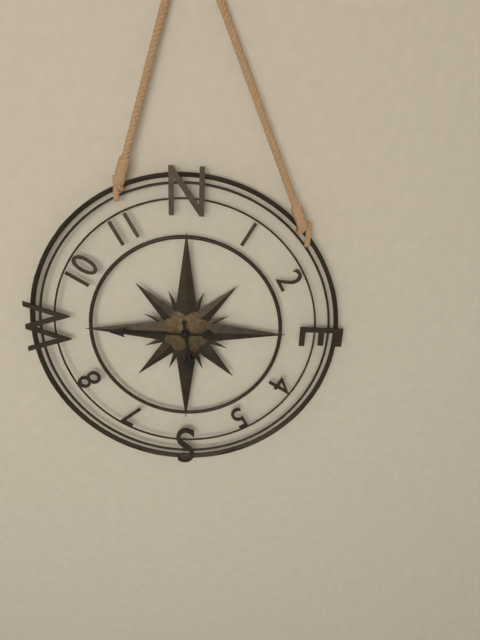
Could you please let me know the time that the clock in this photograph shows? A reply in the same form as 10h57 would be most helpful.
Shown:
5h45
